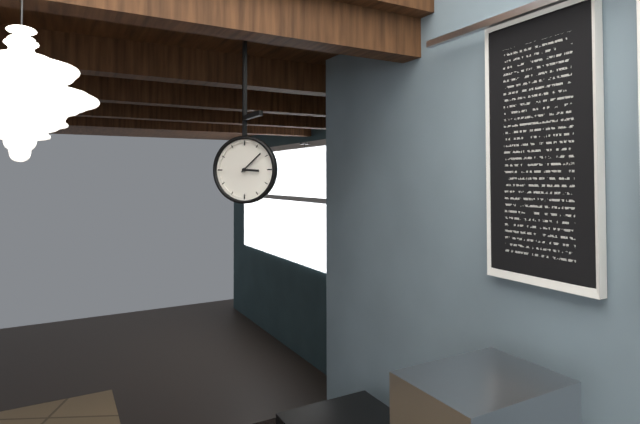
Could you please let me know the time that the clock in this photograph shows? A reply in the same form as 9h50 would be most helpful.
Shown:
3h08
